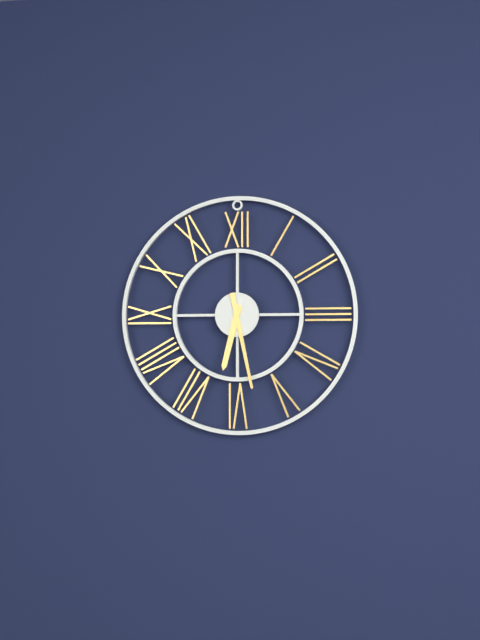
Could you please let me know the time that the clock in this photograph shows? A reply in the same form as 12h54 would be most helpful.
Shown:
6h28
